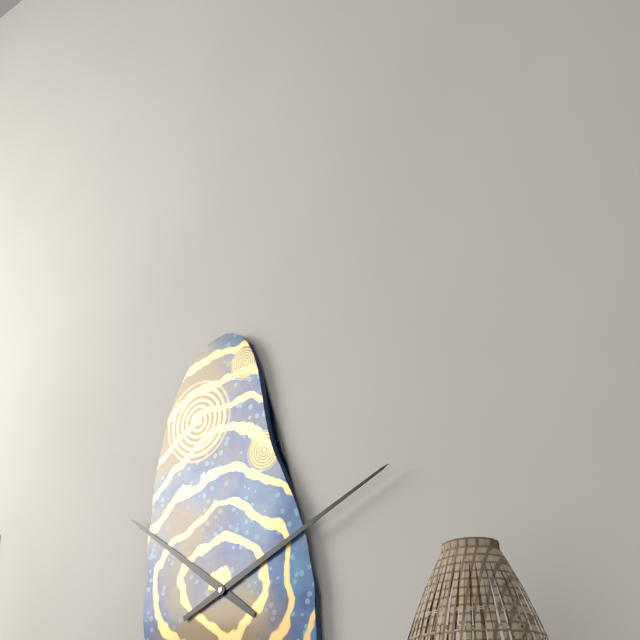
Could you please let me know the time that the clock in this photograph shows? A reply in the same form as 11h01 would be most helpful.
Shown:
10h11
